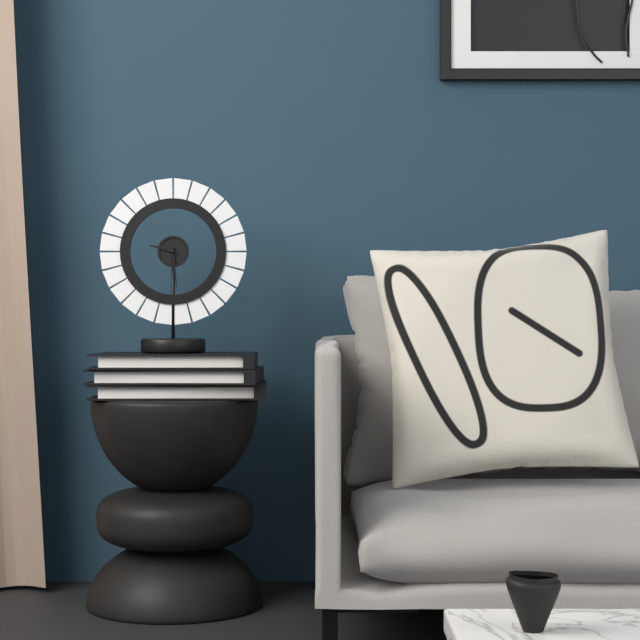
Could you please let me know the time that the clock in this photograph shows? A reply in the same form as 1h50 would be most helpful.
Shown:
9h29
